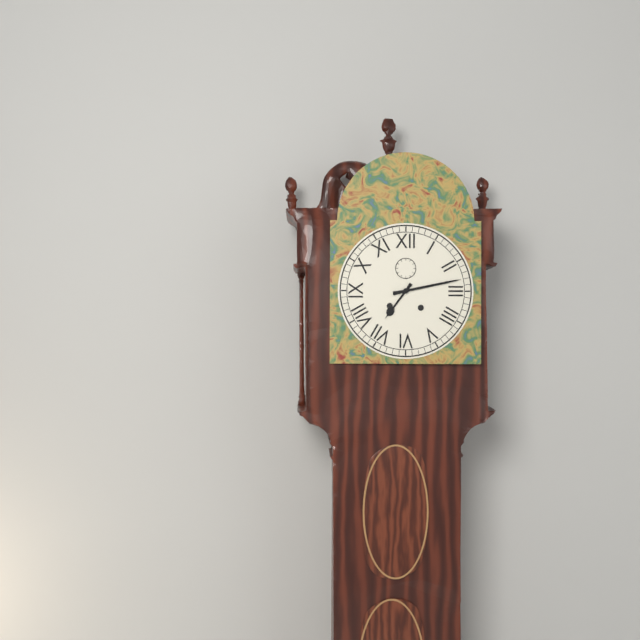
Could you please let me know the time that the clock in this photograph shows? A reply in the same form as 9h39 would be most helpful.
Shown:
7h13
